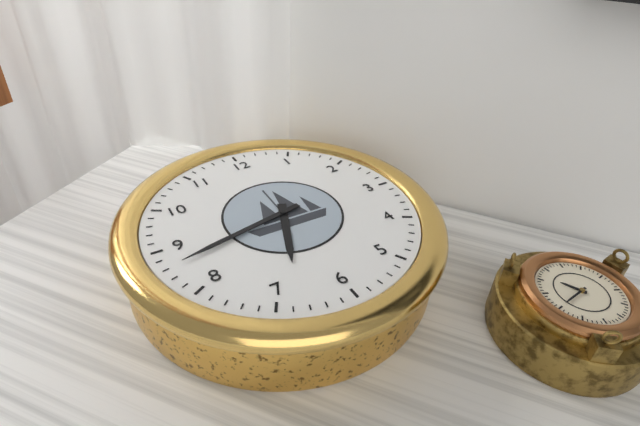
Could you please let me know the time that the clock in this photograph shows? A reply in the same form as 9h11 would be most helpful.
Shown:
6h43
